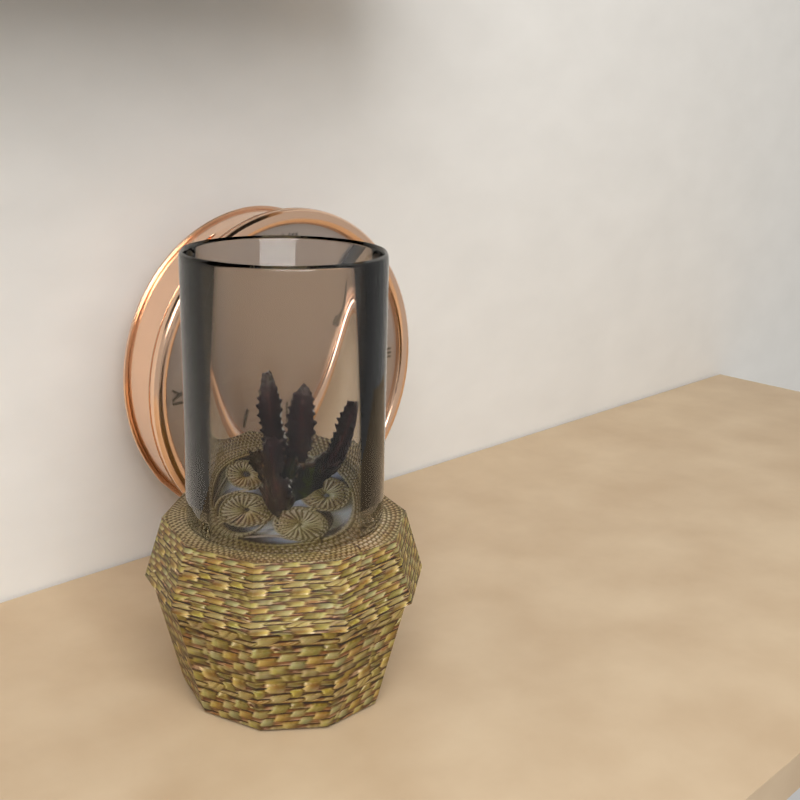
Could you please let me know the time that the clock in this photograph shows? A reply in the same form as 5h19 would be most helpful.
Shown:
1h50
